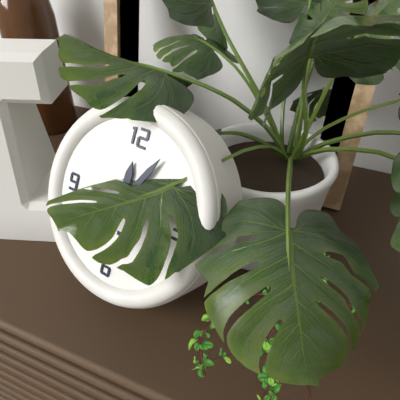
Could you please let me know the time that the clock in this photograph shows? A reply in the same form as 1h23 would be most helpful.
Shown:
12h05
